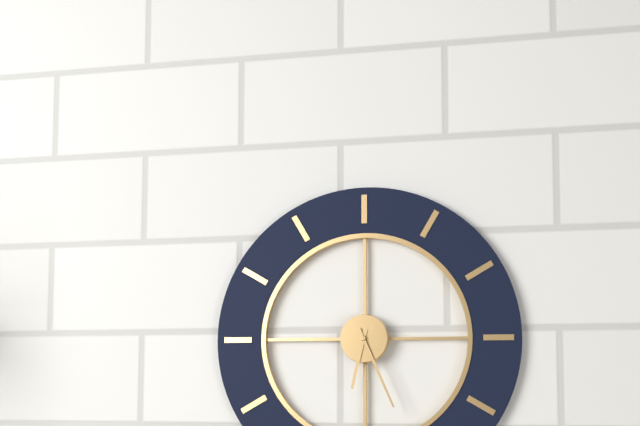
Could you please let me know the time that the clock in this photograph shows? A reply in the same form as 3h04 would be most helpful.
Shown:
6h26
